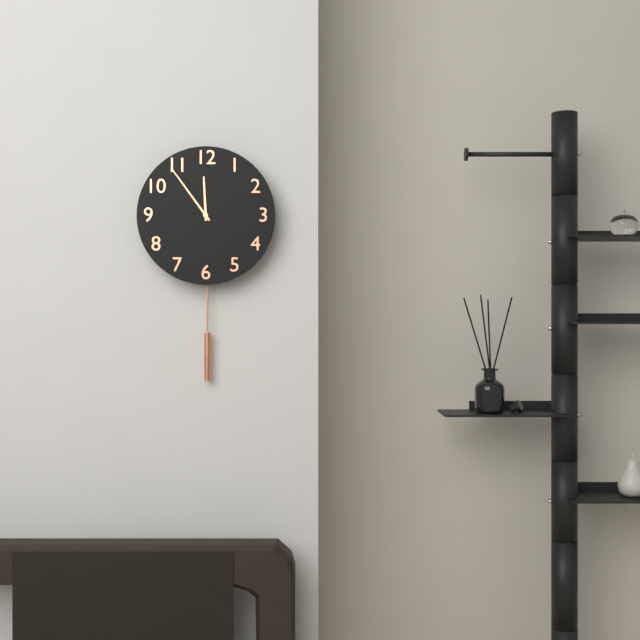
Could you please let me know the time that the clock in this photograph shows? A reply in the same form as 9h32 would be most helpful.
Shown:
11h54
